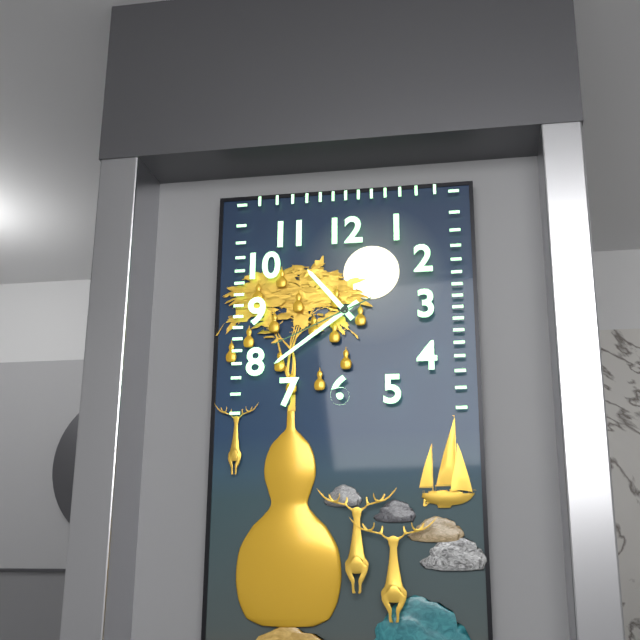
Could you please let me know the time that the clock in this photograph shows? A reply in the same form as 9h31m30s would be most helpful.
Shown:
10h39m41s
